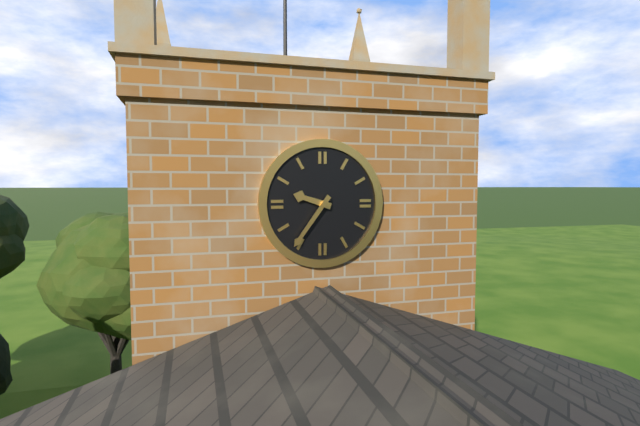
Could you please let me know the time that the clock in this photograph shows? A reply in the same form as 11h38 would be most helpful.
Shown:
9h36
